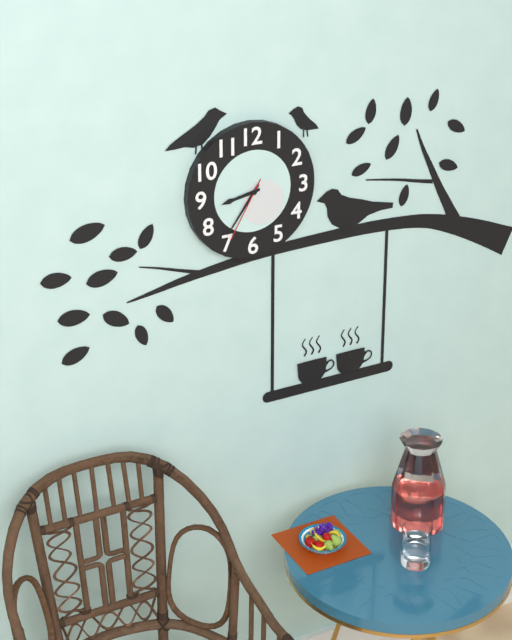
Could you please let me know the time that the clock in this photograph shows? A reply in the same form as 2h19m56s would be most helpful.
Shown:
8h36m35s
